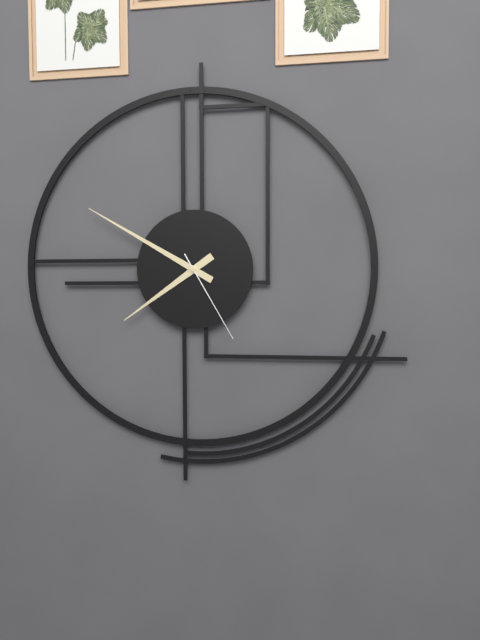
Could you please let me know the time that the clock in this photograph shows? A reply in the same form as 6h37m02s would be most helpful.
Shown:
7h50m25s
